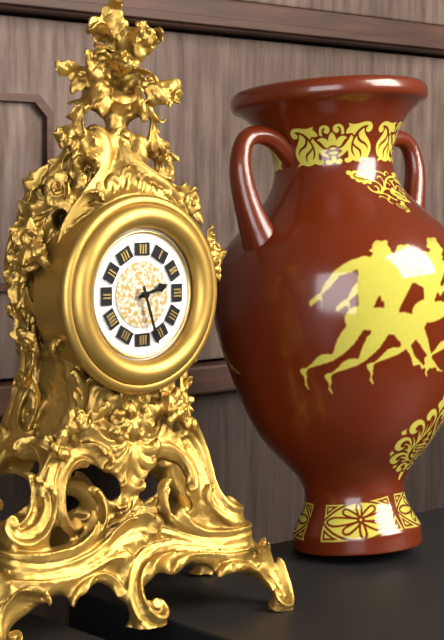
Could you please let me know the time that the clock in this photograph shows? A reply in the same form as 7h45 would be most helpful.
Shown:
2h27
